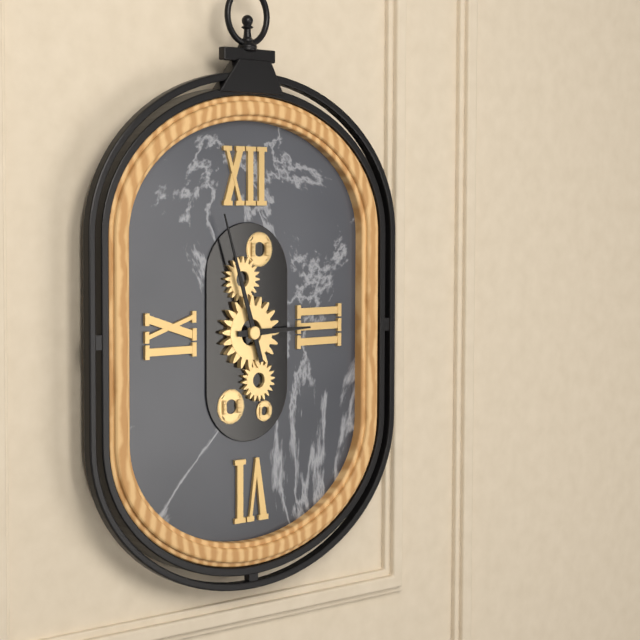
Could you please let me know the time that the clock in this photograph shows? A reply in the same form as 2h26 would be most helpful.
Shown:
2h57
